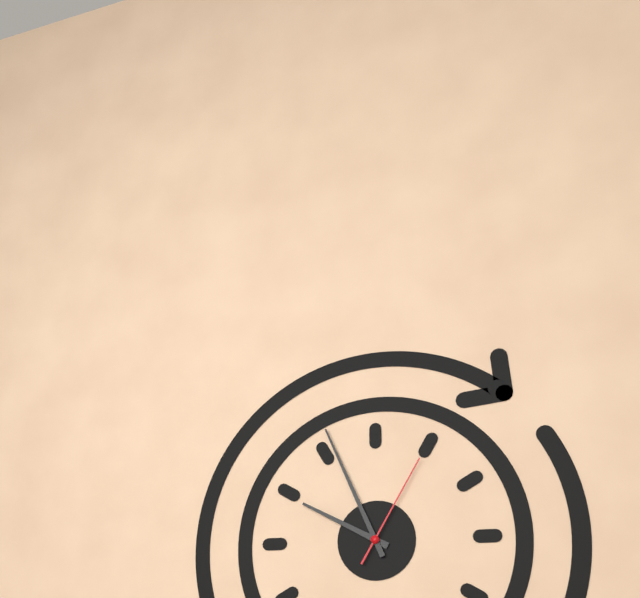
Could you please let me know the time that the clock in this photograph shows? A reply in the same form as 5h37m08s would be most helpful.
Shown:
9h56m05s
